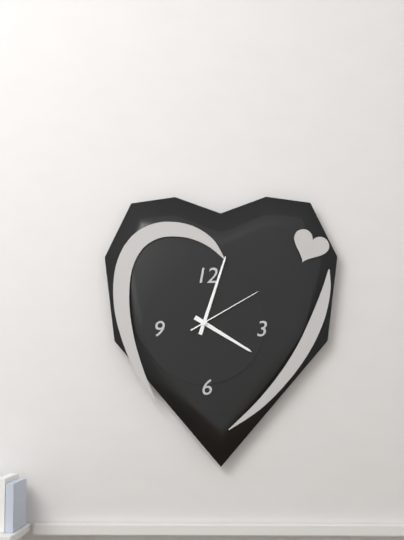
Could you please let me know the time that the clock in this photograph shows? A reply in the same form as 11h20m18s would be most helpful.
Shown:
4h03m10s
